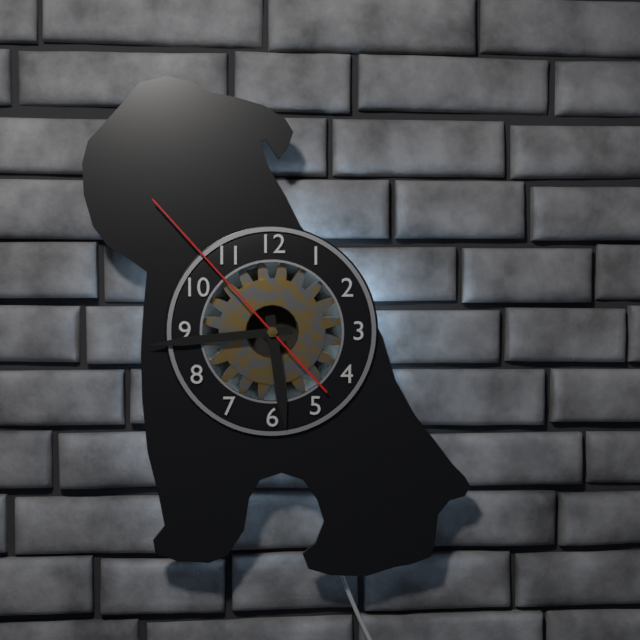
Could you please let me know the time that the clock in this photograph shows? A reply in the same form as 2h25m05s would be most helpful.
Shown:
5h44m53s
